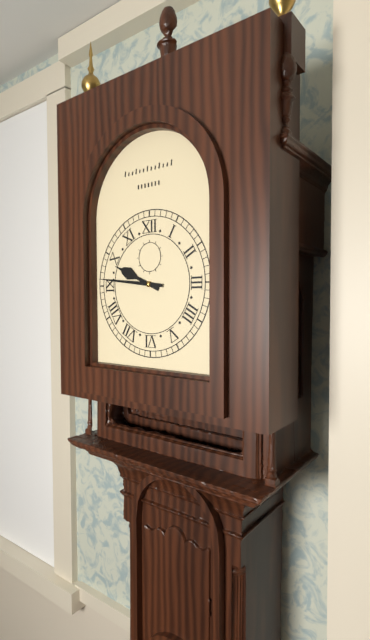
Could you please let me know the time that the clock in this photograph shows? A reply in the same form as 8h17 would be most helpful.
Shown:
9h46
